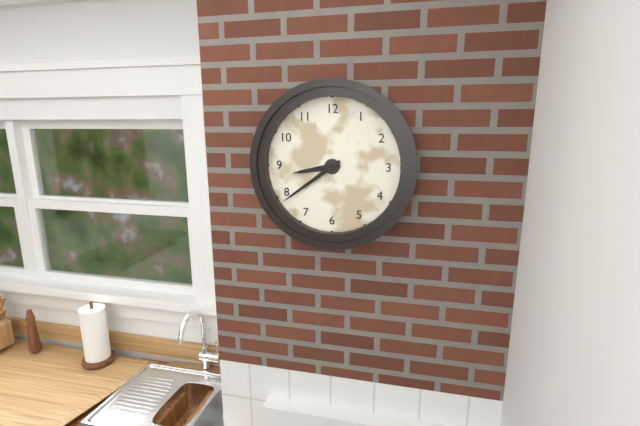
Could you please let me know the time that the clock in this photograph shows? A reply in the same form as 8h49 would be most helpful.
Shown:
8h39
